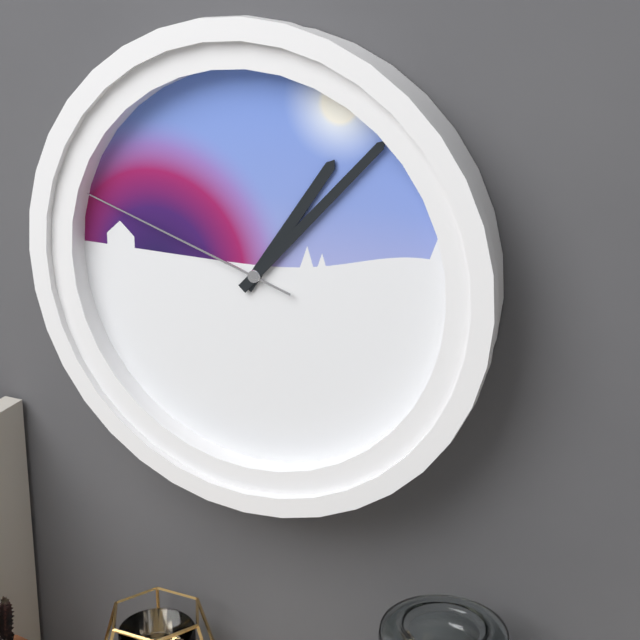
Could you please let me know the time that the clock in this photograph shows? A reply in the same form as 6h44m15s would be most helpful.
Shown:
1h07m48s
